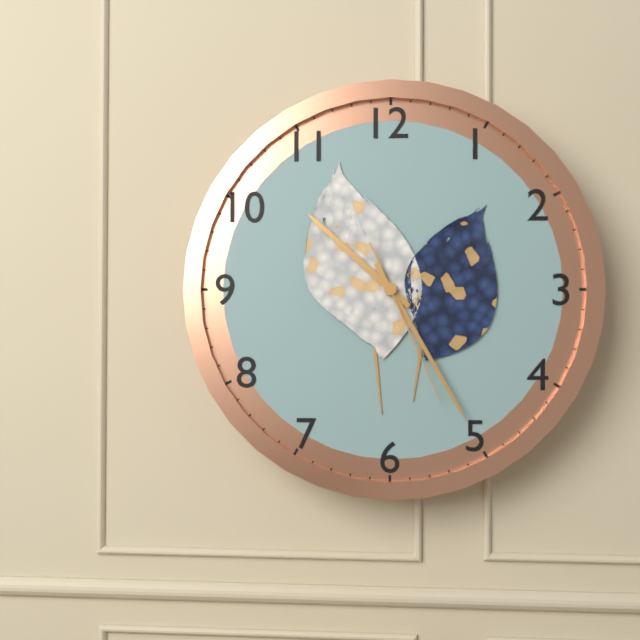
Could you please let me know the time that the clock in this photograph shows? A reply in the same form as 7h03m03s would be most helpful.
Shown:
10h25m26s
